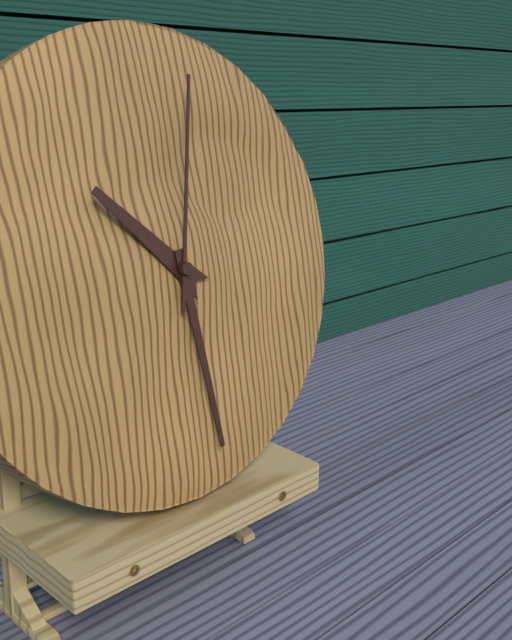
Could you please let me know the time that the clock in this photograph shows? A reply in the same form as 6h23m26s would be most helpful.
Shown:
10h29m02s
